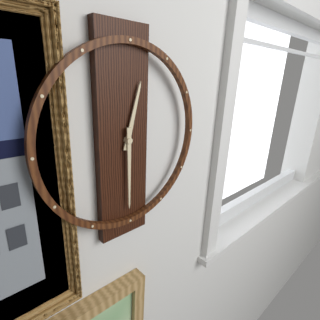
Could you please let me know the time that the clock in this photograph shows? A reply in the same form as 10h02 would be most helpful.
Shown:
12h30
